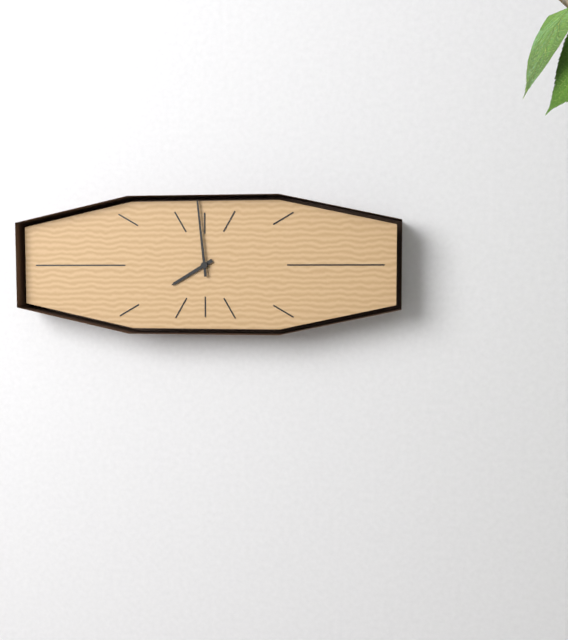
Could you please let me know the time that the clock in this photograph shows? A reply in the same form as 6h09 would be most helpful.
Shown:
7h59
